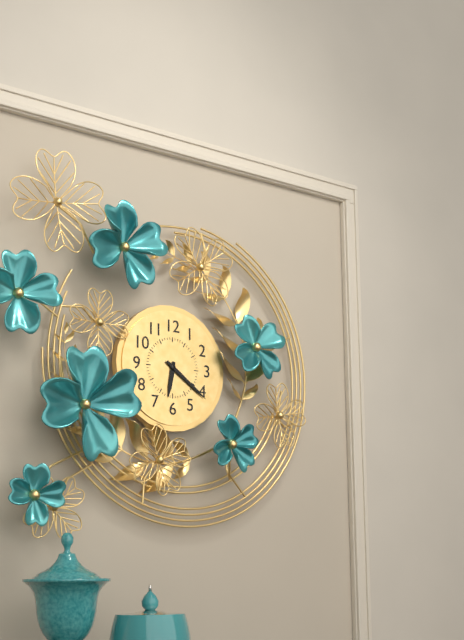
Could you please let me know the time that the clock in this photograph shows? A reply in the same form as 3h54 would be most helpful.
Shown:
6h21
